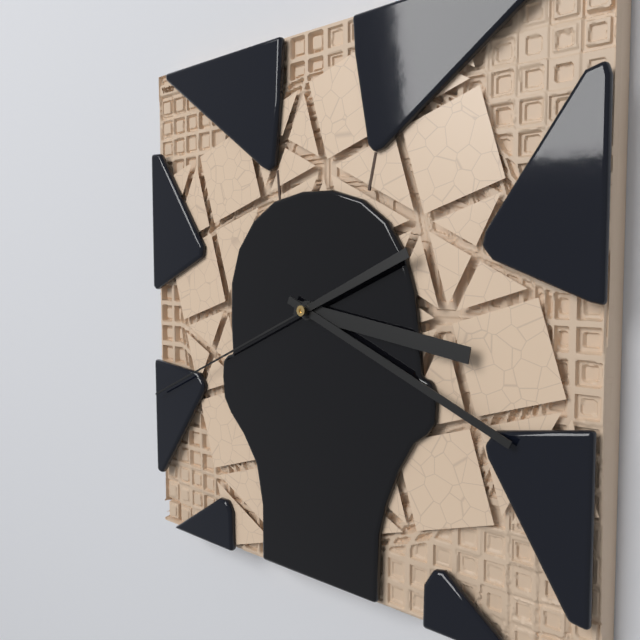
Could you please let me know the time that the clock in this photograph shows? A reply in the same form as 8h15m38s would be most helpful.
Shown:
3h19m41s
